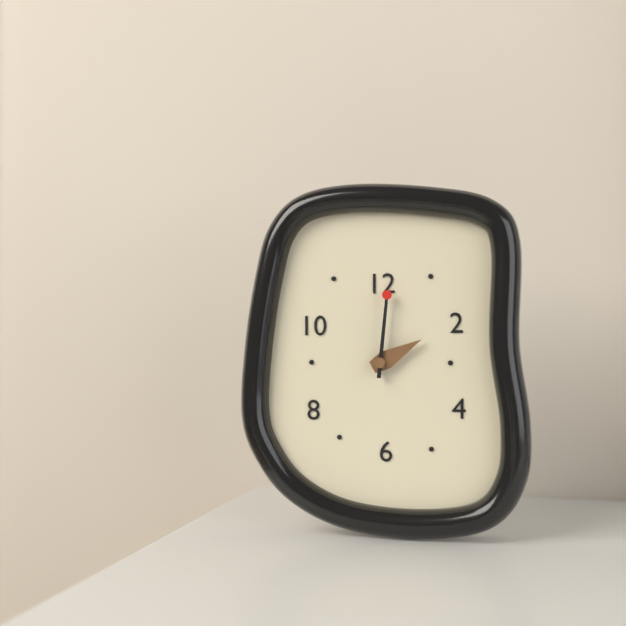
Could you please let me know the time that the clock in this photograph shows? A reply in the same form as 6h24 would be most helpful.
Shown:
2h01
